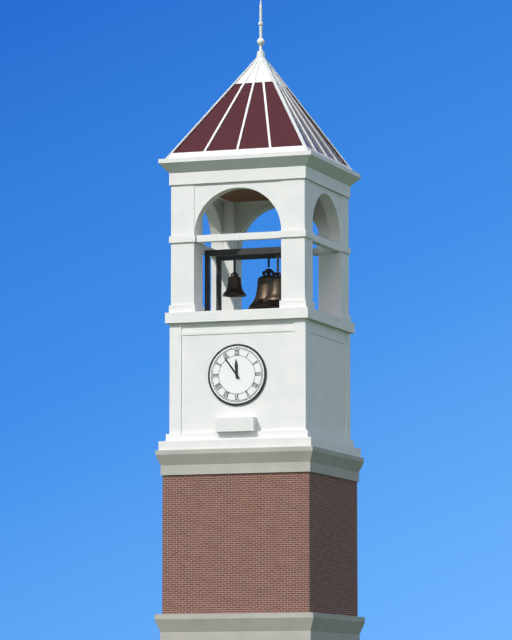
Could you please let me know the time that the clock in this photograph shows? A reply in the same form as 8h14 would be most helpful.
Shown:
11h54
